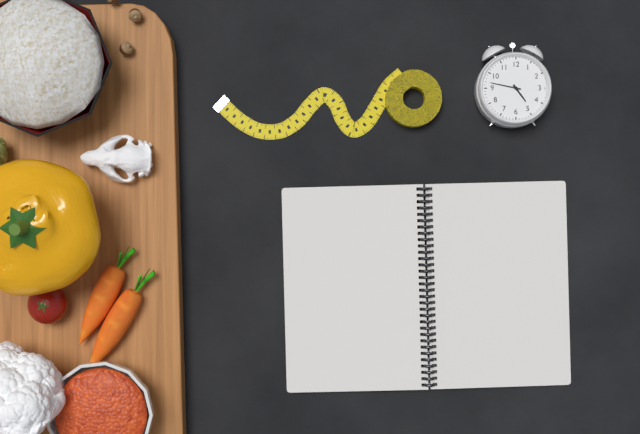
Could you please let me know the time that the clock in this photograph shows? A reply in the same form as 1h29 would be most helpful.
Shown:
4h47
